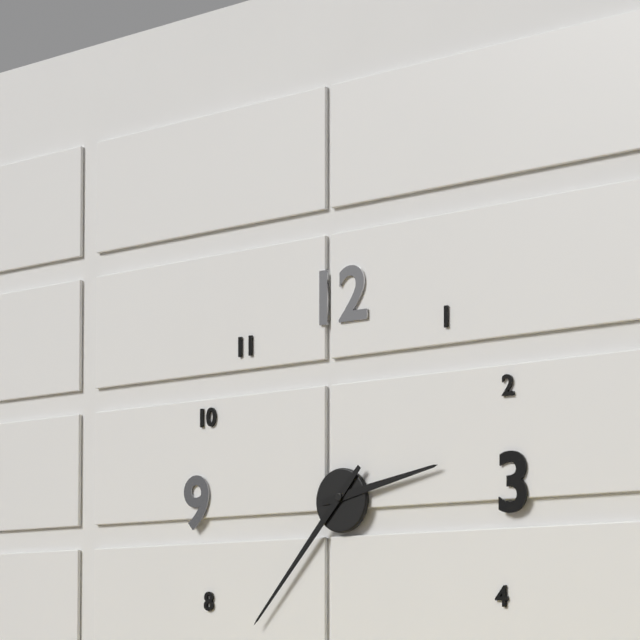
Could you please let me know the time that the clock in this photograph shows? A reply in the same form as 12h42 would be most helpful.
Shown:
2h37
